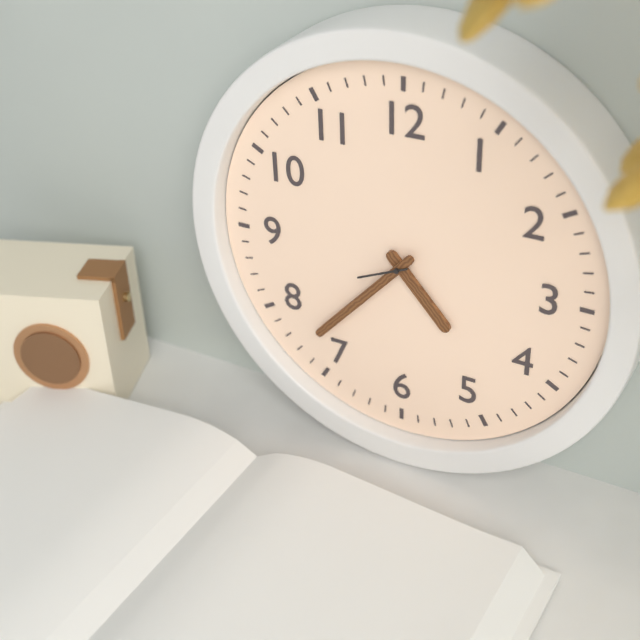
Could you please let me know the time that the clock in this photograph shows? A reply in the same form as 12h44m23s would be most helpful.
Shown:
4h37m41s
